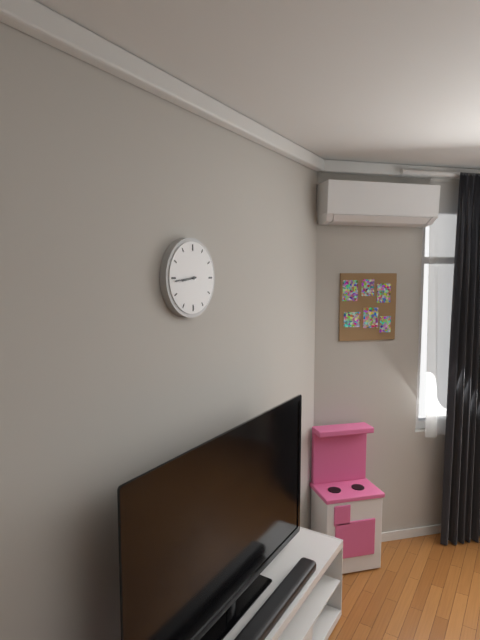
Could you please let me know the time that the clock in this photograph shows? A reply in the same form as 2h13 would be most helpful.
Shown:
8h44
